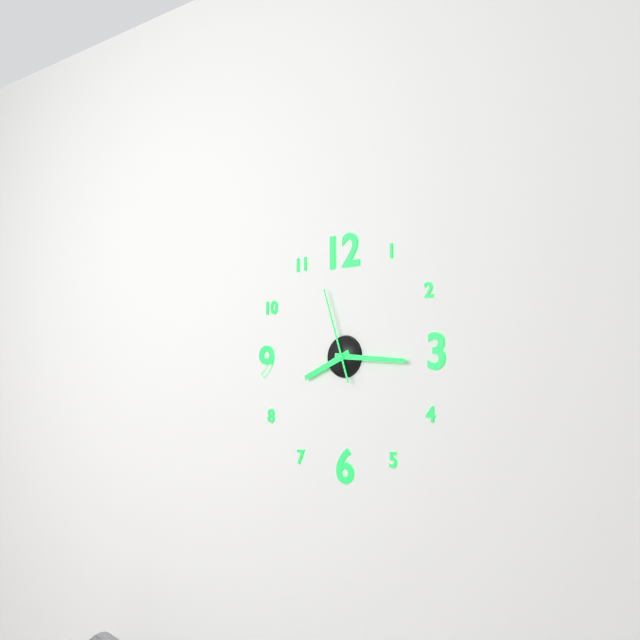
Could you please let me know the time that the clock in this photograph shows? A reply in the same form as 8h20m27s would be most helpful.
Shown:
8h16m57s
